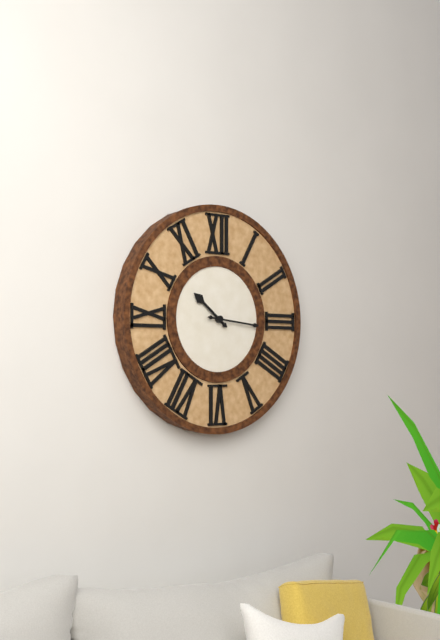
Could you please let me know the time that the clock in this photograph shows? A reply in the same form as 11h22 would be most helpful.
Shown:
10h16
